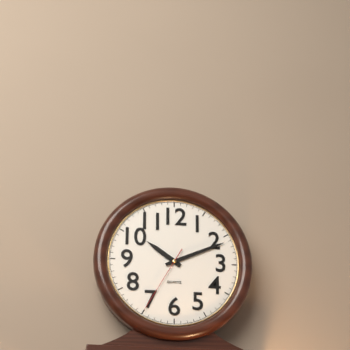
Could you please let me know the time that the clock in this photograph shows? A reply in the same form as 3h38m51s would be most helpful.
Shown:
10h11m35s
